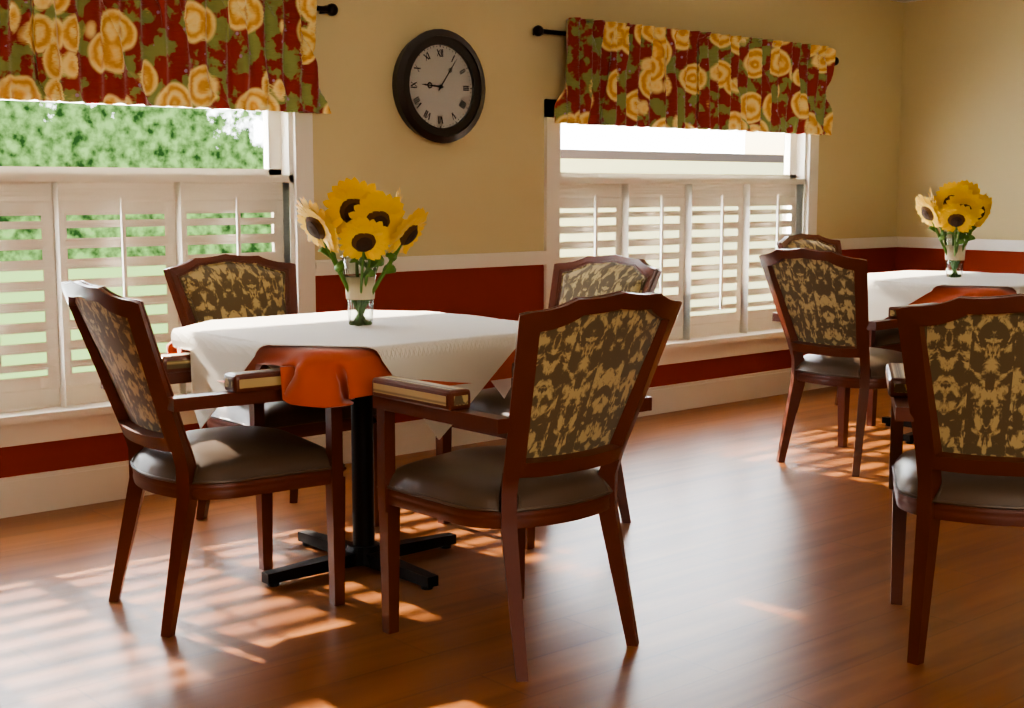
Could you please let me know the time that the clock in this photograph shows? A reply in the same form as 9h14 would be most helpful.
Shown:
9h06
